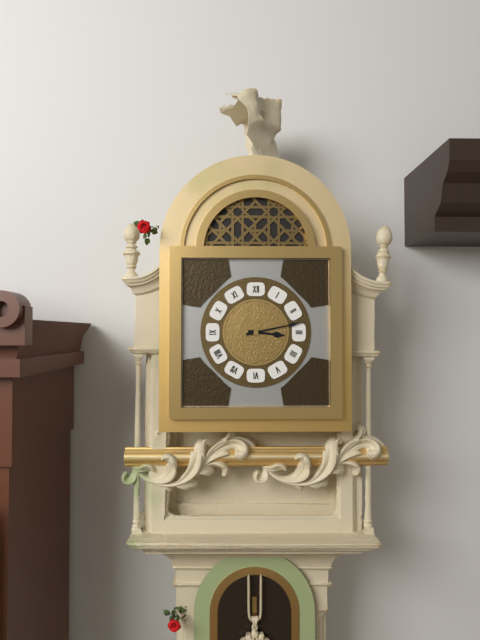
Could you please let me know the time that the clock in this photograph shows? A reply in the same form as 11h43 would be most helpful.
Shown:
3h13
